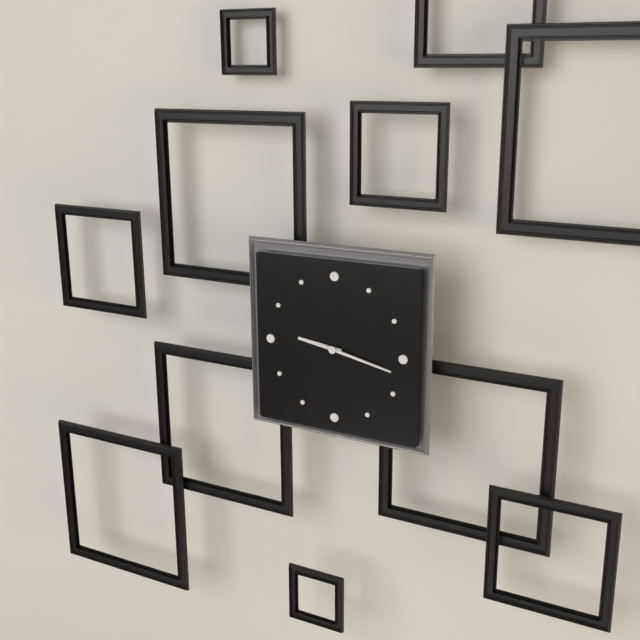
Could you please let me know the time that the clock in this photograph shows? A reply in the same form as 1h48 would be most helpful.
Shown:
9h17
